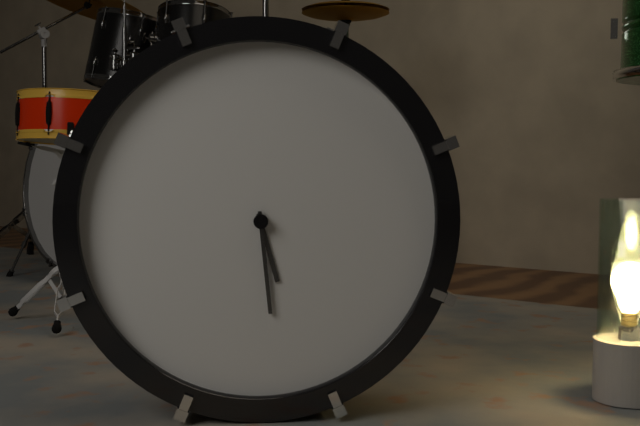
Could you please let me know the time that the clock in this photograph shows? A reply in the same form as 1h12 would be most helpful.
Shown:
5h29
